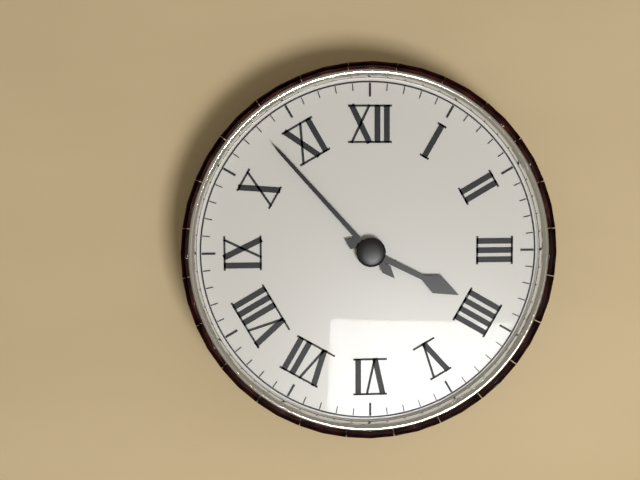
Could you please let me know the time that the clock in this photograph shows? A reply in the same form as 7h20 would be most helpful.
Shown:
3h53
